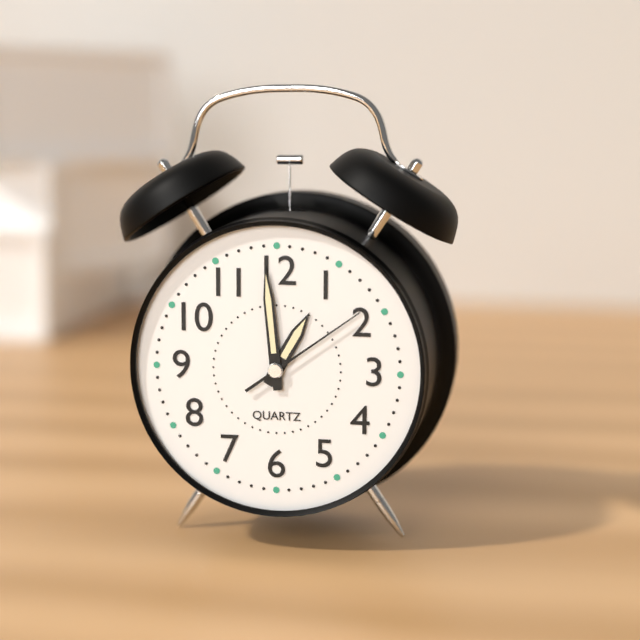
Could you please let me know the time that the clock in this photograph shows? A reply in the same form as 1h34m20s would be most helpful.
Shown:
12h59m09s
